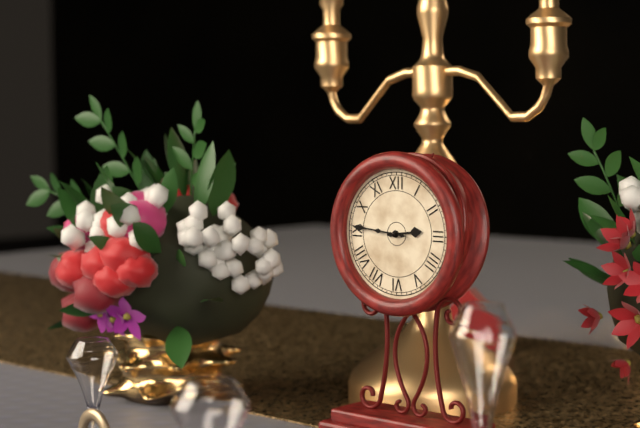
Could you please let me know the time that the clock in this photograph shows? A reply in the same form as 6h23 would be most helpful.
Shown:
2h46
